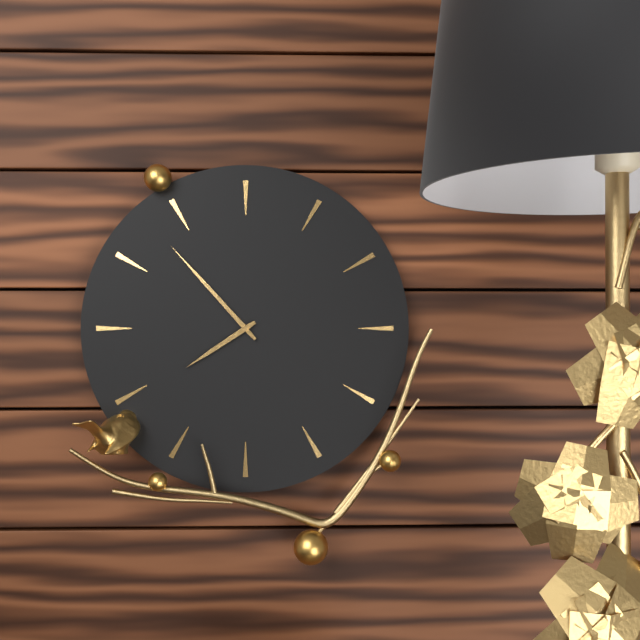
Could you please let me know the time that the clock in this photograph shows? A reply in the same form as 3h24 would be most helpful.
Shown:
7h53
